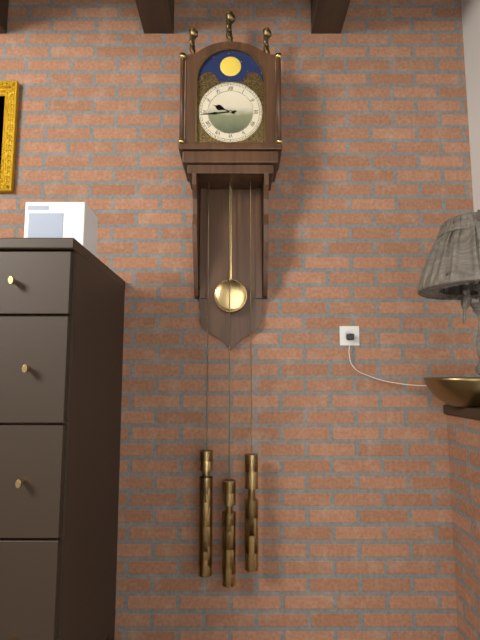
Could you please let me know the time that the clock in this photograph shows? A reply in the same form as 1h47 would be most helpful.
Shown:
9h44
